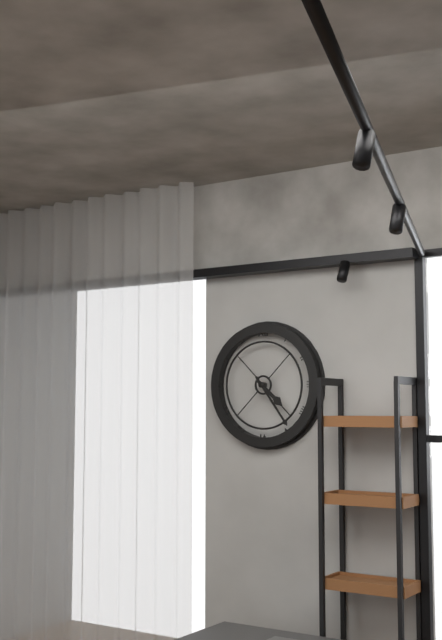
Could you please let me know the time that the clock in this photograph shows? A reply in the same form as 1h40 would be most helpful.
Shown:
4h24
